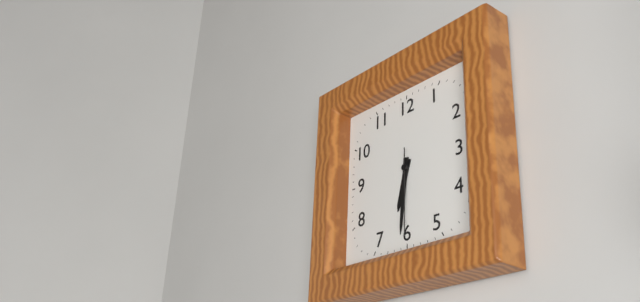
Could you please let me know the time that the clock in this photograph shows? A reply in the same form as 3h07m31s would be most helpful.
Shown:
6h31m30s
